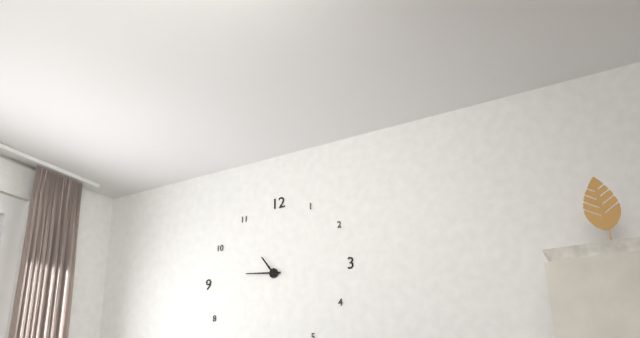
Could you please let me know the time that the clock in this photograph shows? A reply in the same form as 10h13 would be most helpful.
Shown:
10h46
